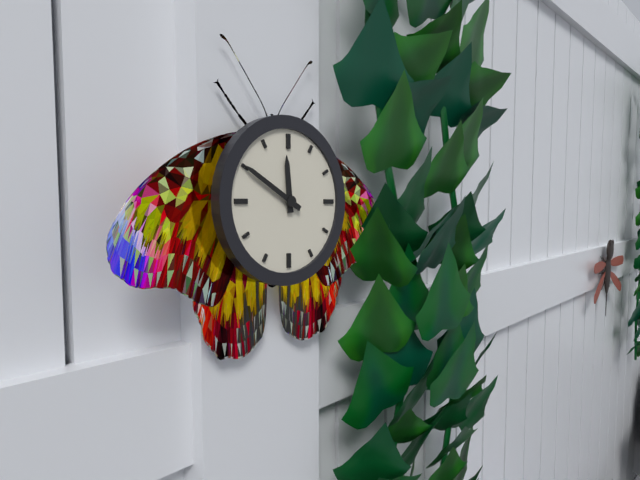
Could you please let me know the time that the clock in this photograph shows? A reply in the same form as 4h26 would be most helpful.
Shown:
11h50
